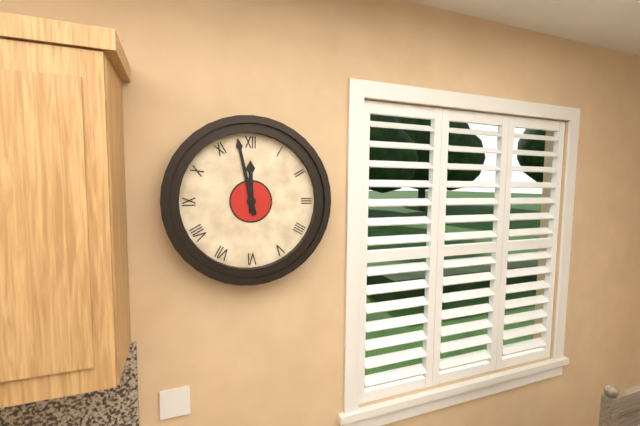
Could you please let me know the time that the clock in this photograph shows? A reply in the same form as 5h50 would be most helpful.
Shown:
11h58
